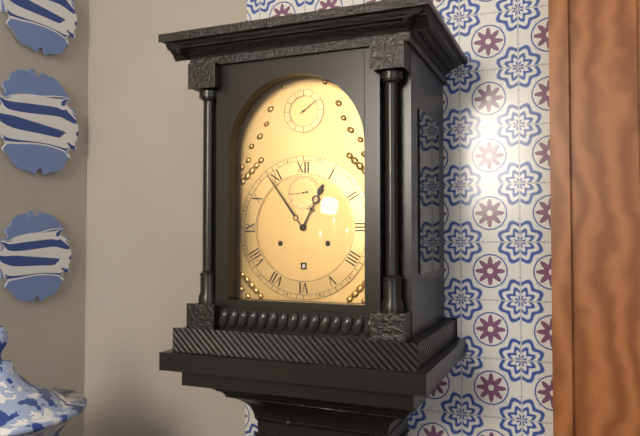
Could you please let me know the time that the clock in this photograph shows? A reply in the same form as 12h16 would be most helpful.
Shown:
12h54
